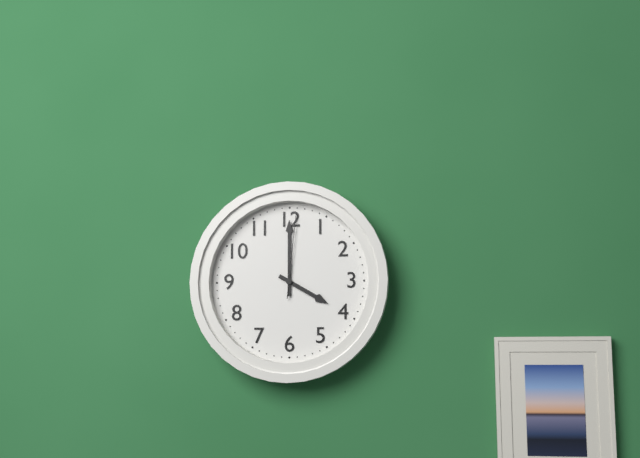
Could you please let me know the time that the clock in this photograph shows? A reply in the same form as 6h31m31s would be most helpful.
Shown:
4h00m01s
